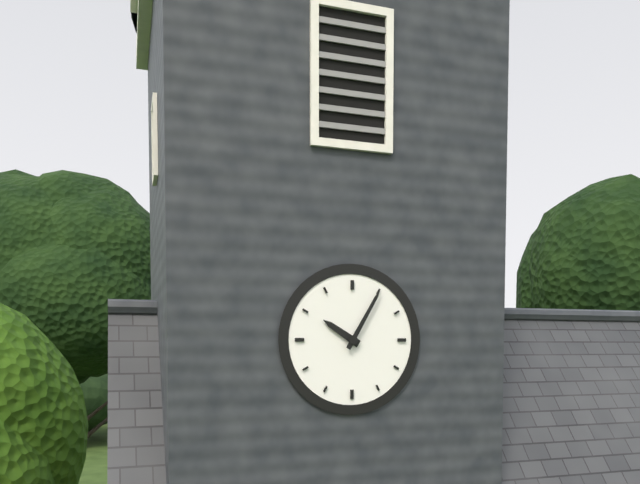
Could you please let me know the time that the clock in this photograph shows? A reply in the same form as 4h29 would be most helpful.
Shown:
10h05
